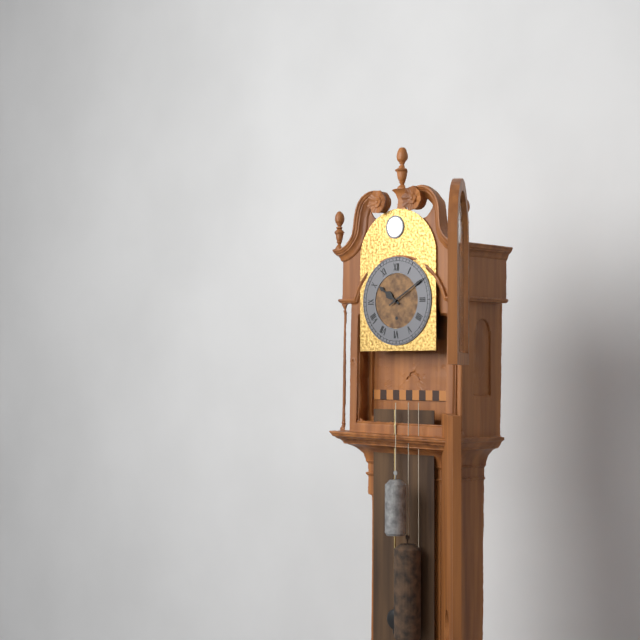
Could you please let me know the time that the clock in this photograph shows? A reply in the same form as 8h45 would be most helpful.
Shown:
10h10
